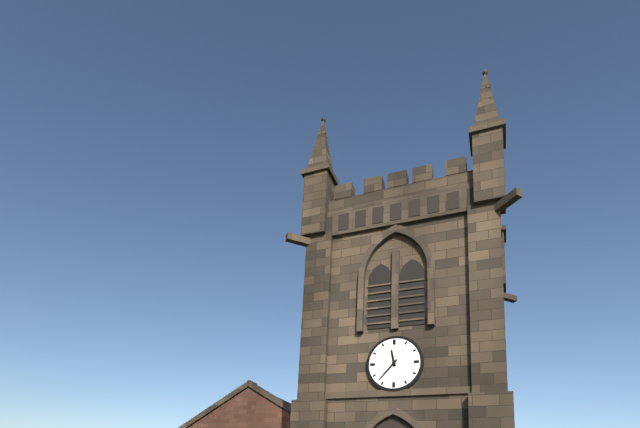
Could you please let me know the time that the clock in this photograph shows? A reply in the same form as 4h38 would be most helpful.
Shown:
11h37
